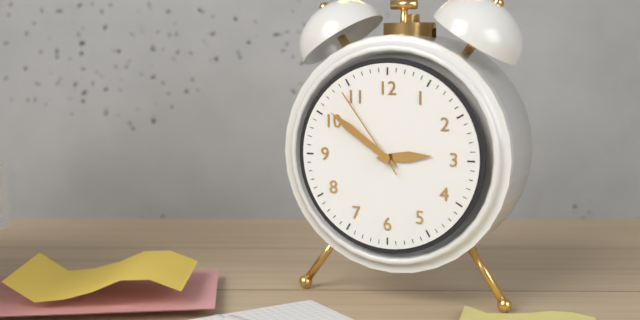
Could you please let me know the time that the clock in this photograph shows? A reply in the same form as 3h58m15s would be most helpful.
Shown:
2h51m54s
